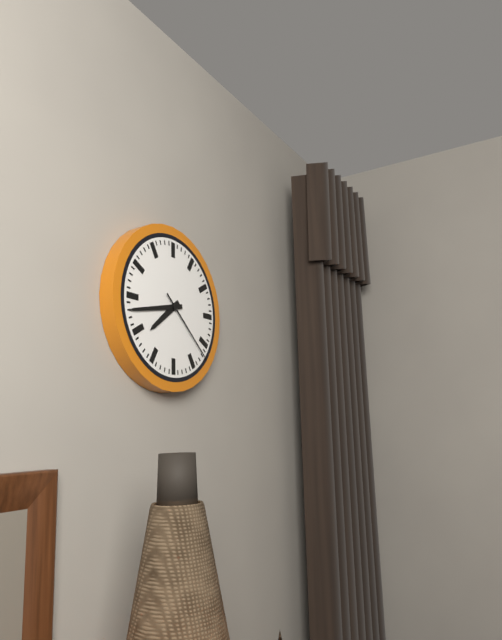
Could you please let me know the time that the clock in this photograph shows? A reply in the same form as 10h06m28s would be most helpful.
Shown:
7h43m22s
